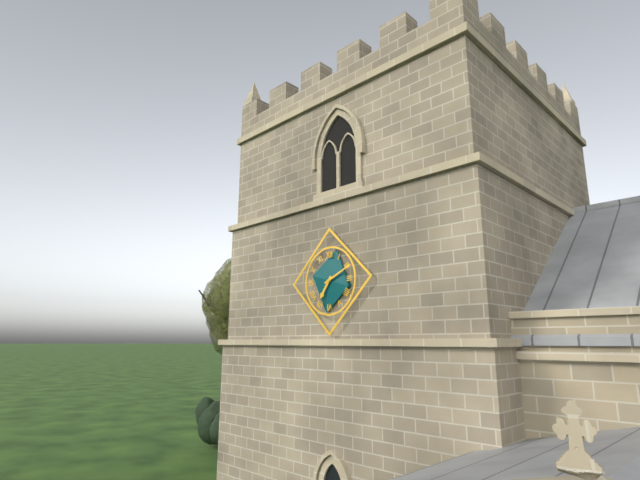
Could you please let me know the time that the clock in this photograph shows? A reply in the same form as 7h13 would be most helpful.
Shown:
7h11
